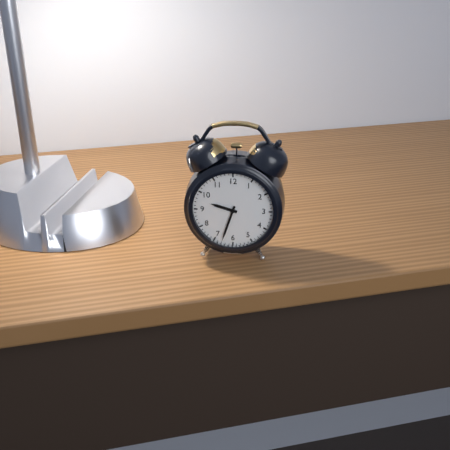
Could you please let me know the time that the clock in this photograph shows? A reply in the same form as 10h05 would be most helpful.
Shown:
9h33
